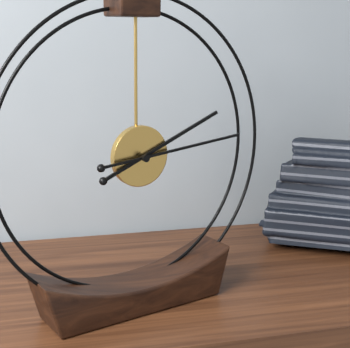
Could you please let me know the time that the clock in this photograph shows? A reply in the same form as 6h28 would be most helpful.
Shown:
2h14
